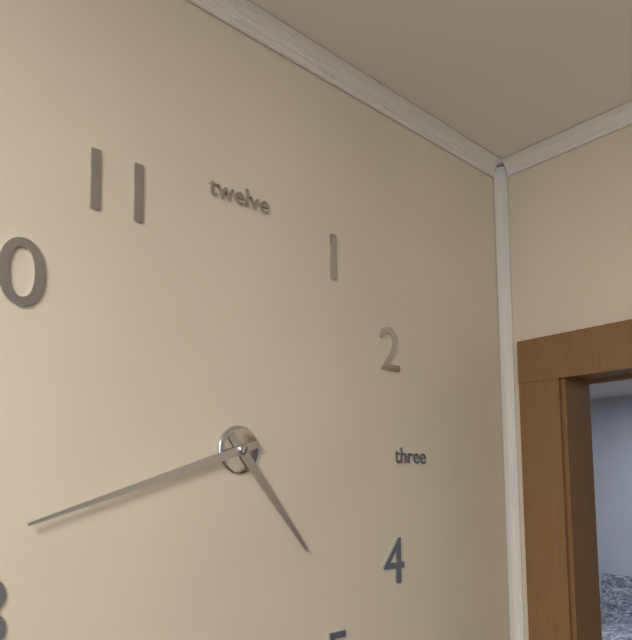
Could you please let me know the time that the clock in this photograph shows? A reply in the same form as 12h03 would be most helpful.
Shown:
4h42
